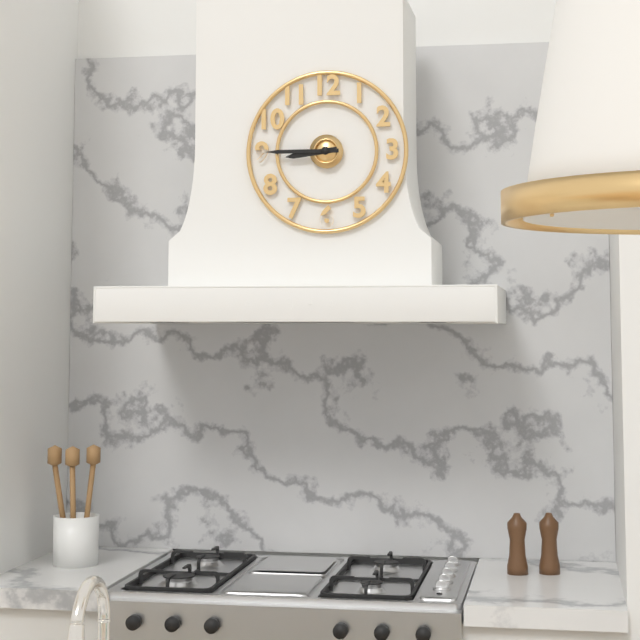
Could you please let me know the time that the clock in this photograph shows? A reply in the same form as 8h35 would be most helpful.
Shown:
8h45
